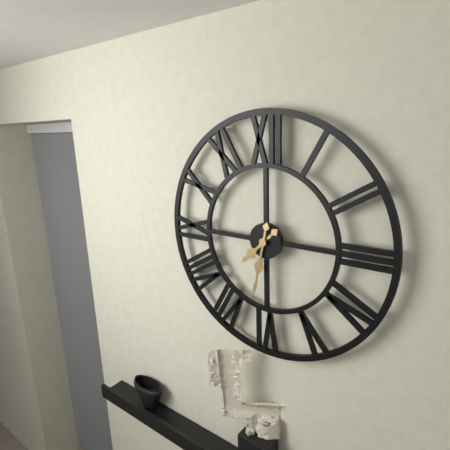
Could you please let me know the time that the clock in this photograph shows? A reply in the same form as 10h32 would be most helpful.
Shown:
7h32
